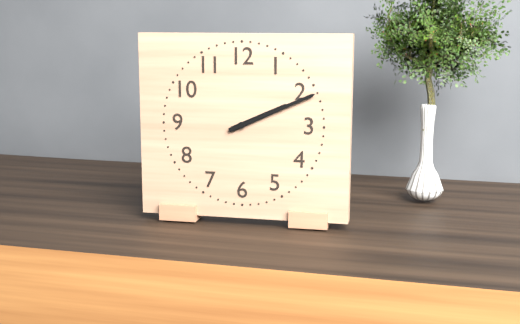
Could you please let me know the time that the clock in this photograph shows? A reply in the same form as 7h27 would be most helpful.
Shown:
2h11
